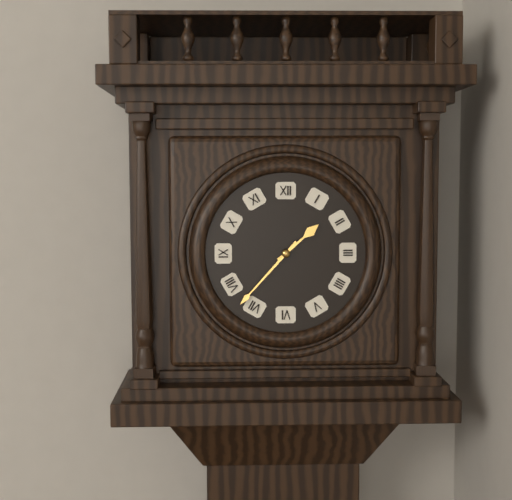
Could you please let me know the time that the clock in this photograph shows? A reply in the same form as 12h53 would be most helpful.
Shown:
1h37
